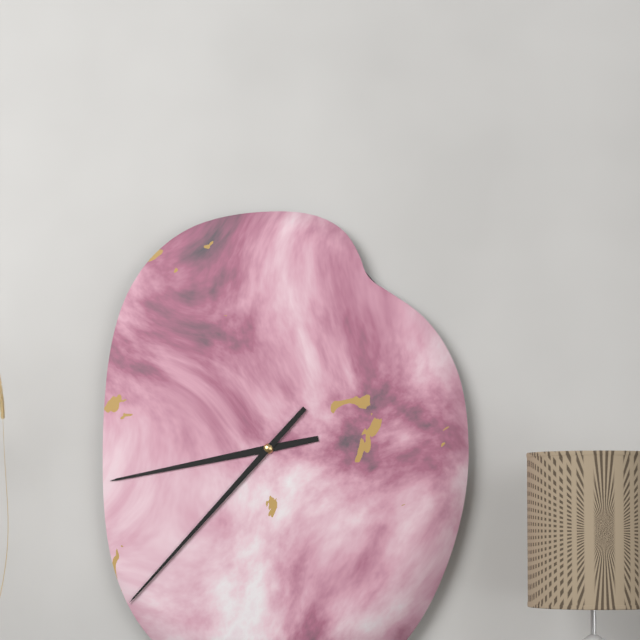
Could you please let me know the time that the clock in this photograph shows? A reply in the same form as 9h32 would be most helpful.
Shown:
8h37
